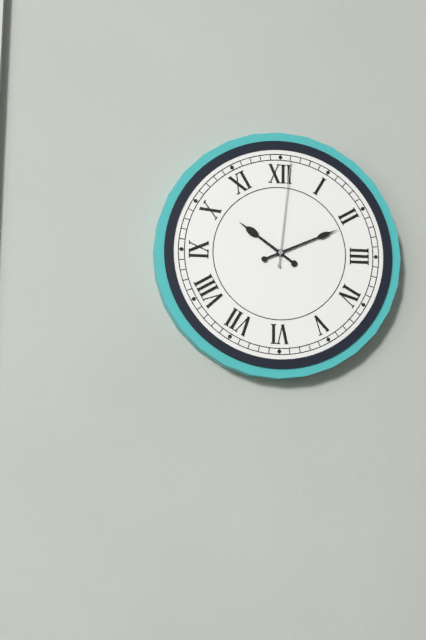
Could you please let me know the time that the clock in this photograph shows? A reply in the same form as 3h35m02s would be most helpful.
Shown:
10h11m01s
